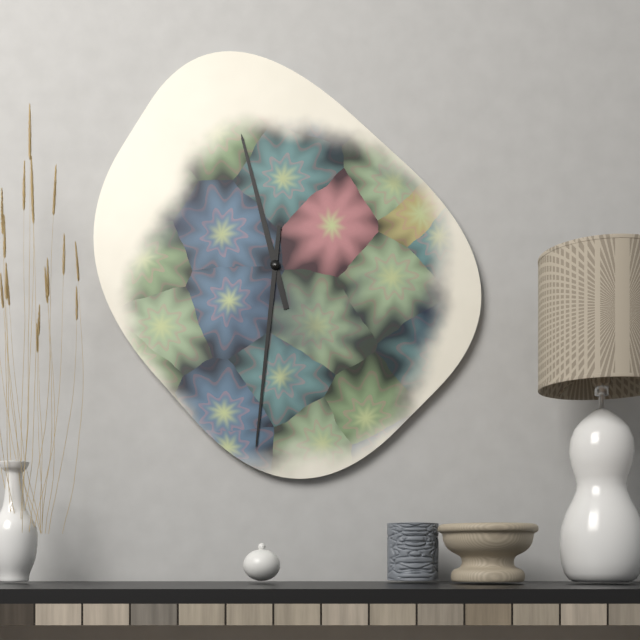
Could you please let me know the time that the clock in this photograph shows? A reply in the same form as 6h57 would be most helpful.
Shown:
11h31
